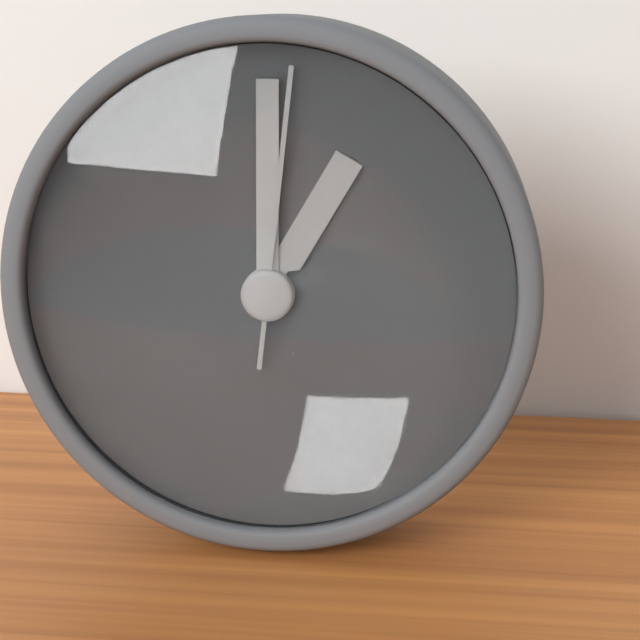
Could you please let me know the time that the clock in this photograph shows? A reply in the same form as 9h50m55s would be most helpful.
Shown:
1h00m01s
